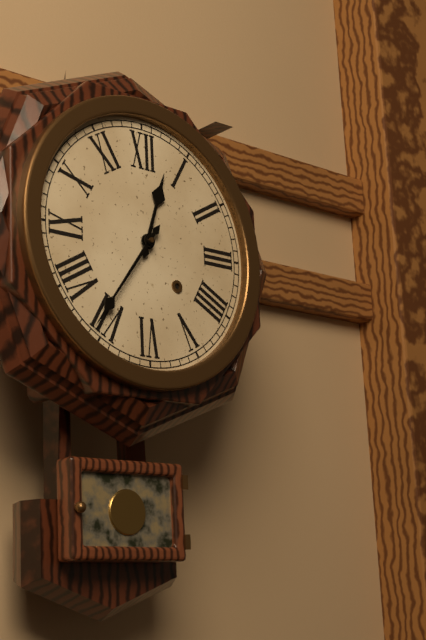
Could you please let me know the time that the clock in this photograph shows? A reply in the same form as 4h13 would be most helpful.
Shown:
12h36
